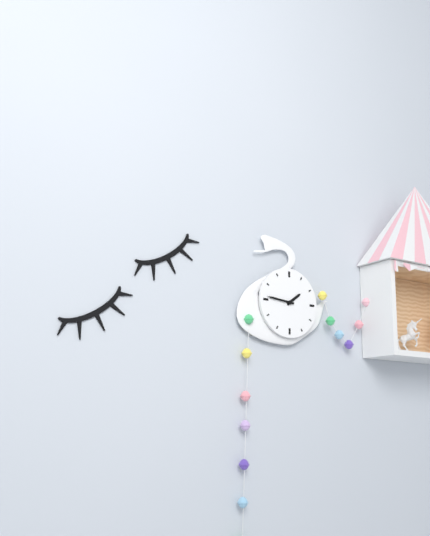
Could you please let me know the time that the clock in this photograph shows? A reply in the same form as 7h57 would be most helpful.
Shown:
1h46
